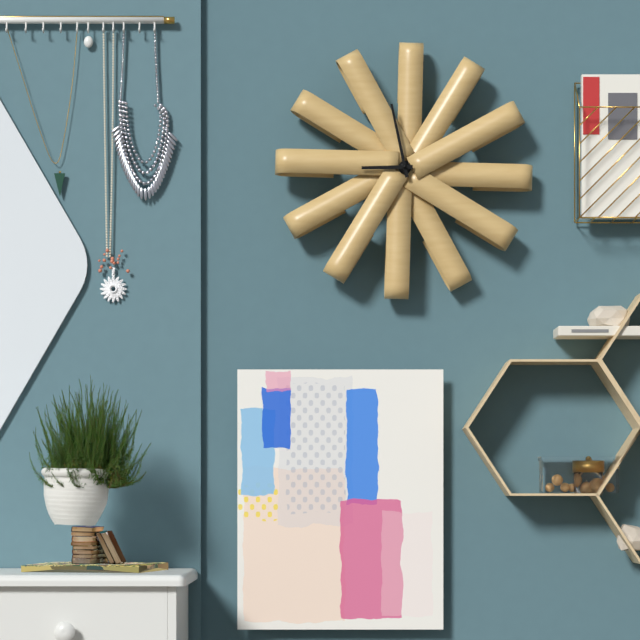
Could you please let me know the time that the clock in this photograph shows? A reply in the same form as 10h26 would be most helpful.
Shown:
8h58
